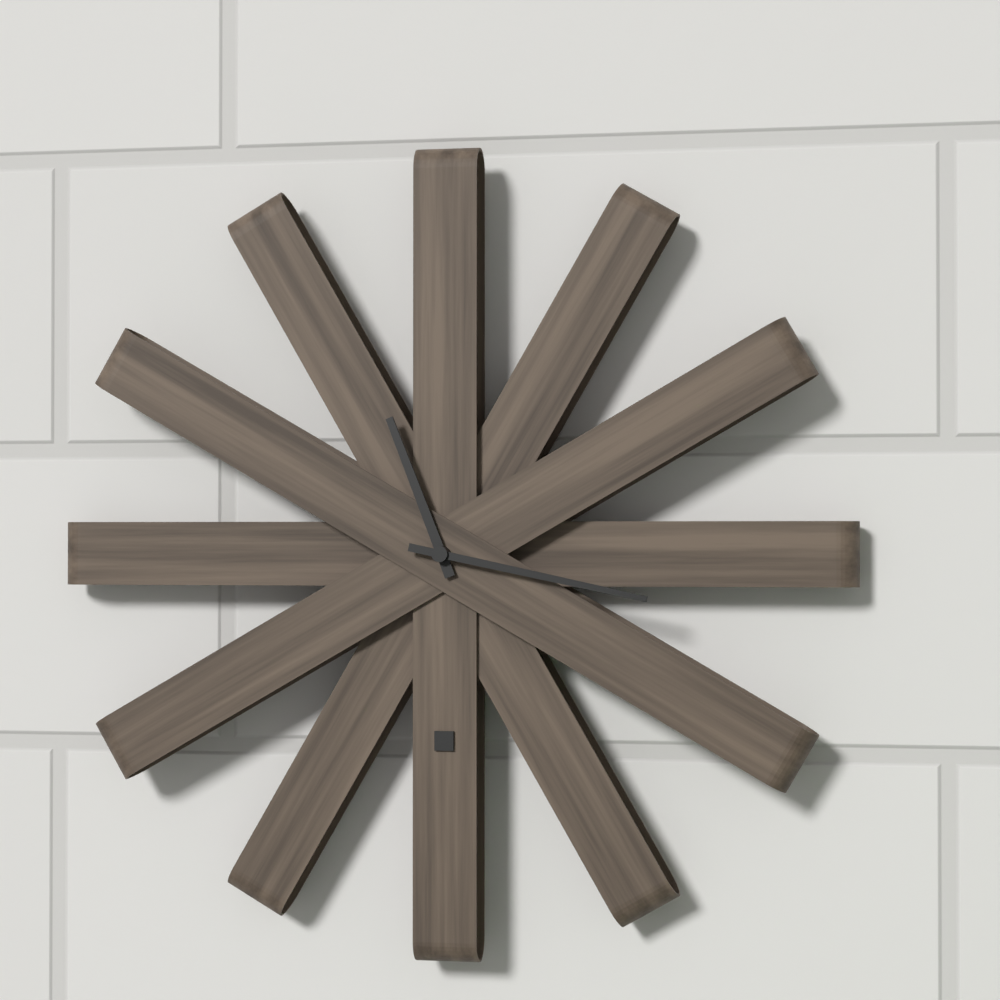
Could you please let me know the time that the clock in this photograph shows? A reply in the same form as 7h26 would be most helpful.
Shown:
11h17
